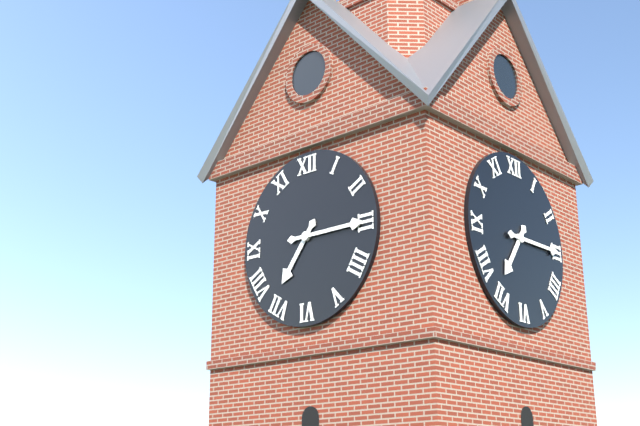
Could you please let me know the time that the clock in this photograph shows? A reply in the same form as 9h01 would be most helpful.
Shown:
7h15
